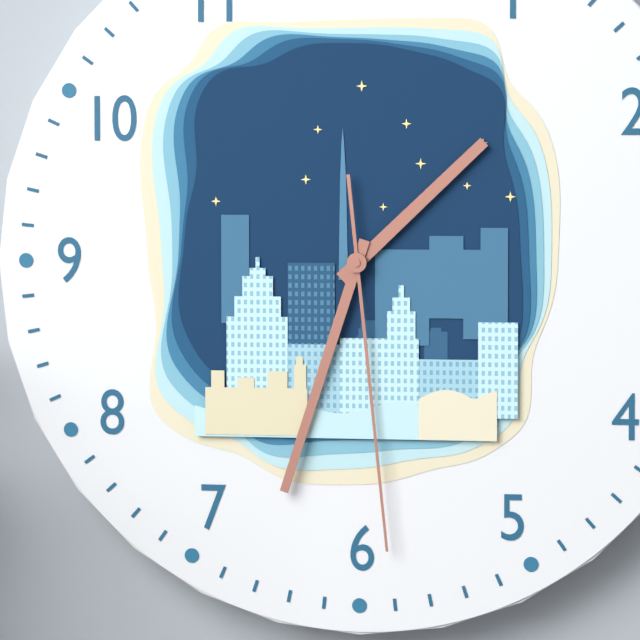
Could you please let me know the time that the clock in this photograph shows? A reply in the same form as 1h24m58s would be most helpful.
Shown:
1h33m29s
